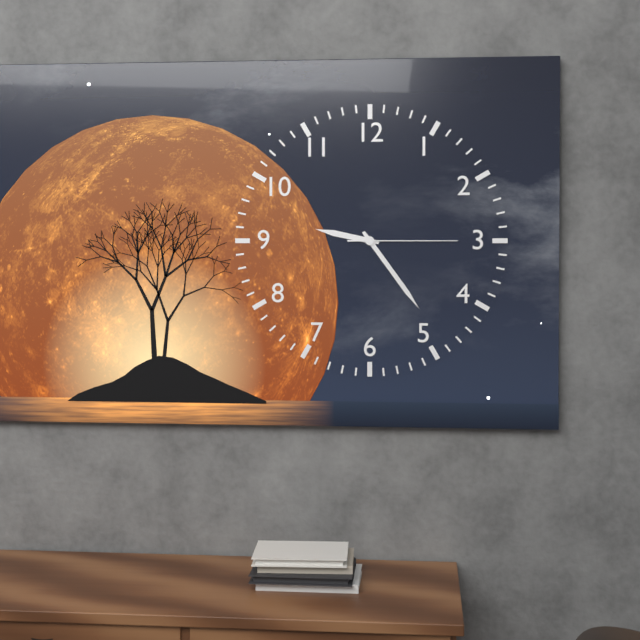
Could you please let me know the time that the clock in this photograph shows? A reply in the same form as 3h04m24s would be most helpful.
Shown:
9h24m15s
